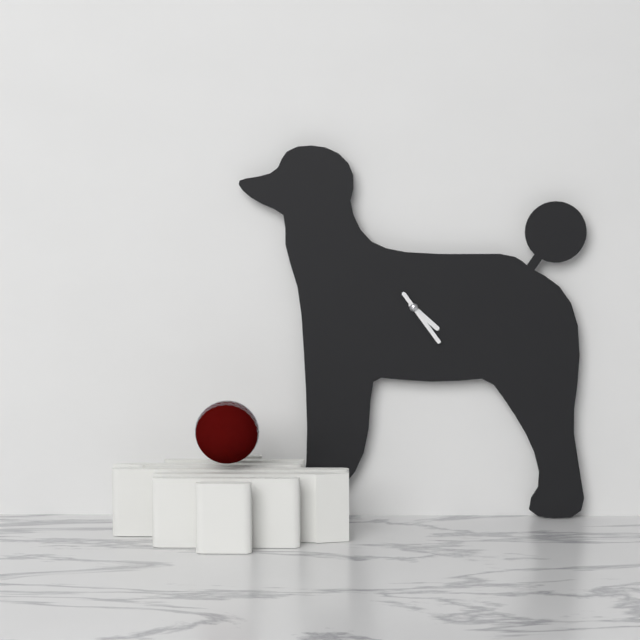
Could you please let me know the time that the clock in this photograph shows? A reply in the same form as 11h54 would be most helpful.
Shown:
4h24
